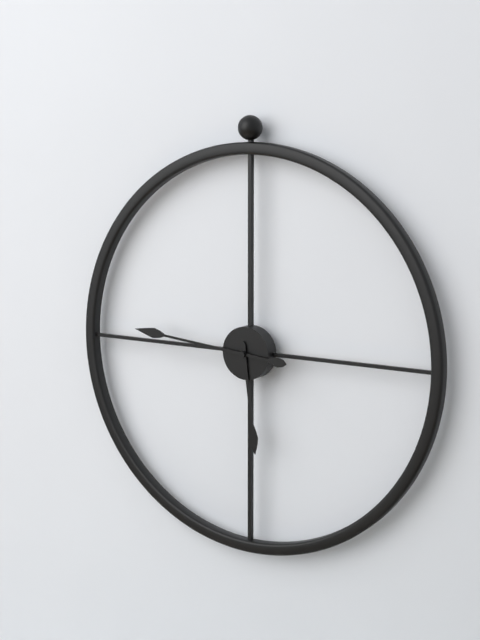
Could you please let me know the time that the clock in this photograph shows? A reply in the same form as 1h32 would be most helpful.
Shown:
5h46
